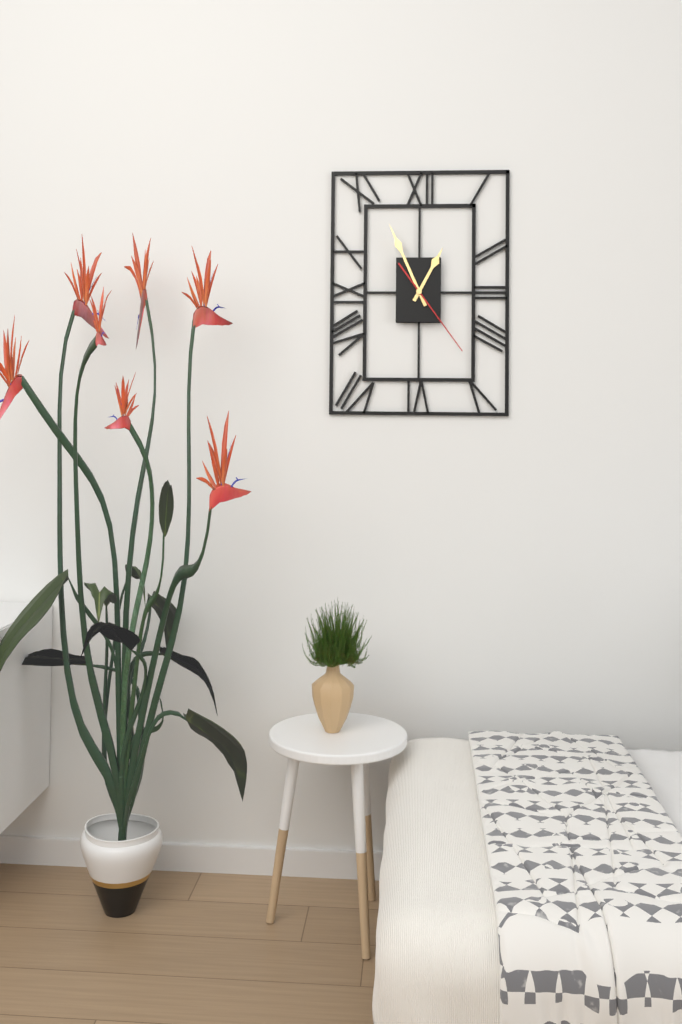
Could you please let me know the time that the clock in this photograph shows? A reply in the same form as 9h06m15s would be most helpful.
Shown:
12h56m24s
